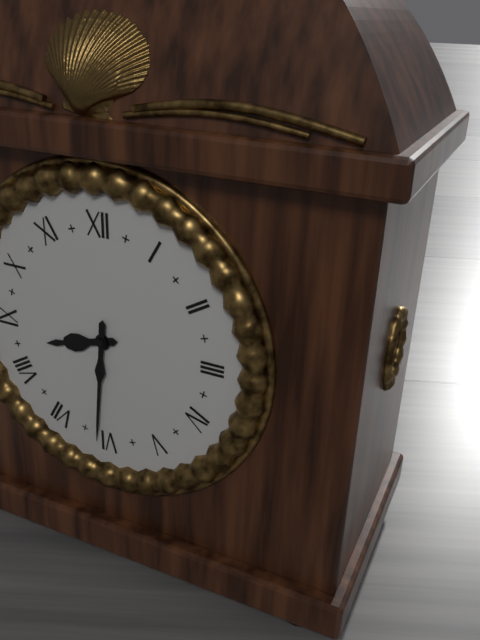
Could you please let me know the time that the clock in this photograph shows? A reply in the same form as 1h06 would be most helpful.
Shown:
8h31
